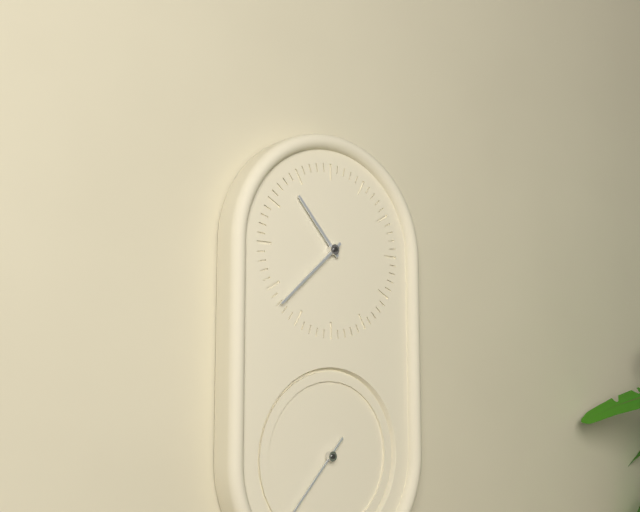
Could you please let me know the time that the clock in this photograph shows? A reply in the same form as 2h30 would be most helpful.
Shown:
10h38
